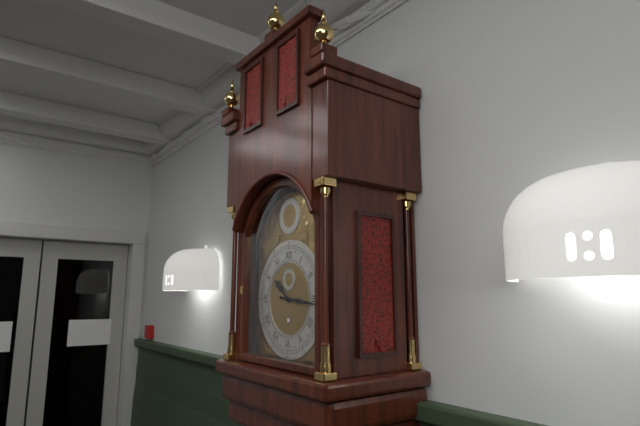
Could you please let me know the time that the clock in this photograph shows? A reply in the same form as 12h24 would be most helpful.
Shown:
10h16
